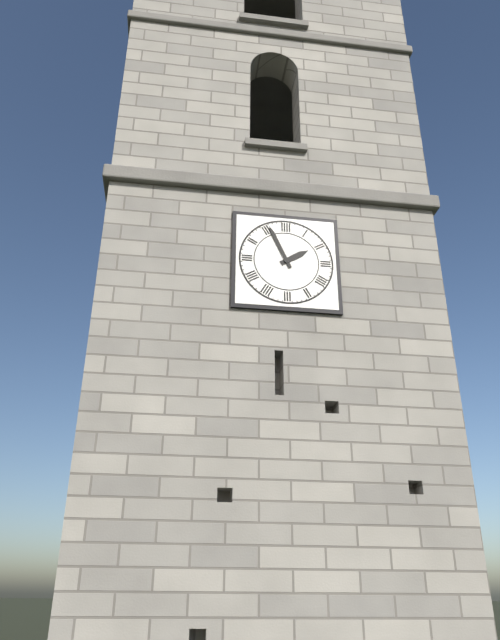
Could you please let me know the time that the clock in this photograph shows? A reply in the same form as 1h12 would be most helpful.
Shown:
1h56
